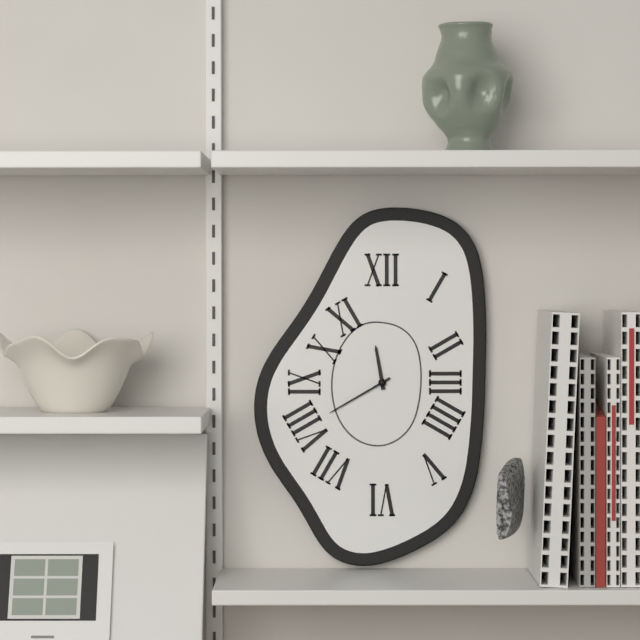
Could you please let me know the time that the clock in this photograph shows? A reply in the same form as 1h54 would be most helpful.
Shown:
11h40
